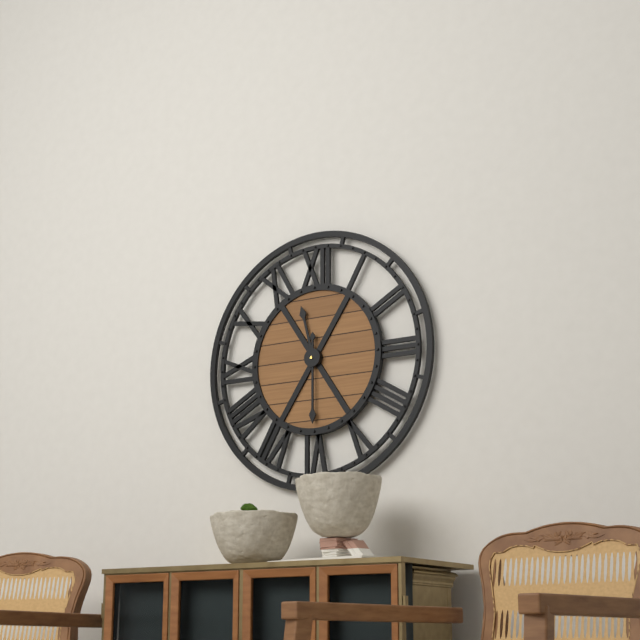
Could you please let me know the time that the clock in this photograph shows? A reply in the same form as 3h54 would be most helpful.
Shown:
11h30
